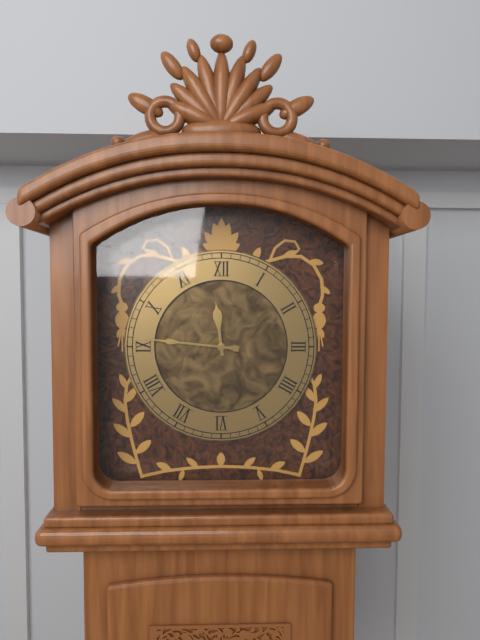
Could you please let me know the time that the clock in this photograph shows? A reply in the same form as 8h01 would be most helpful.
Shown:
11h46
